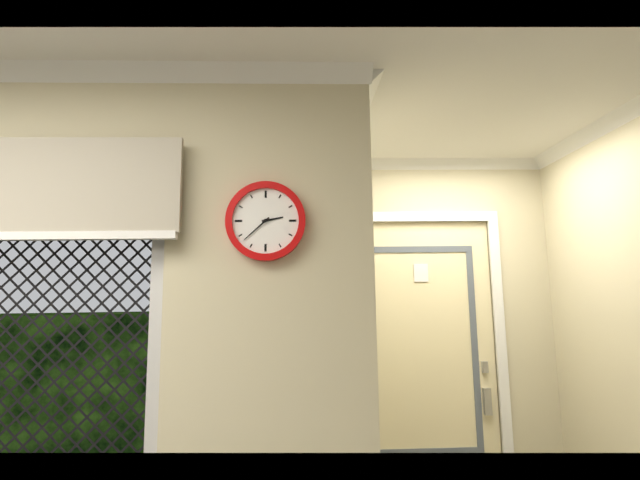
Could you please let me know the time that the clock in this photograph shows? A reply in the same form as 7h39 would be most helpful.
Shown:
2h38
